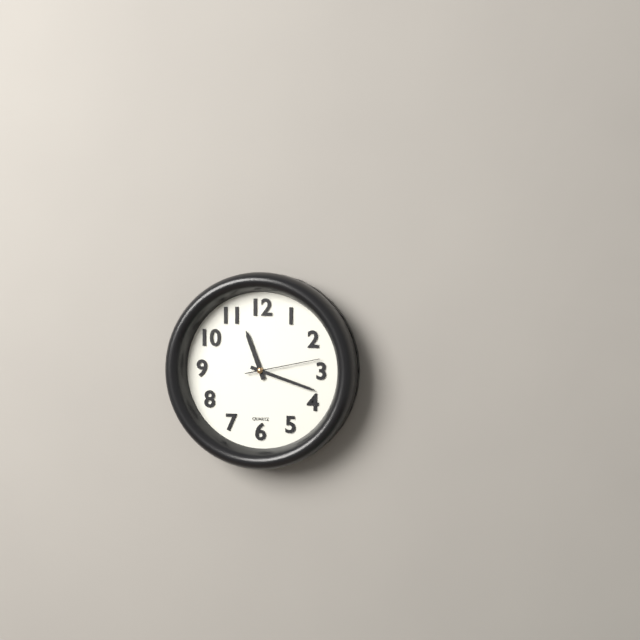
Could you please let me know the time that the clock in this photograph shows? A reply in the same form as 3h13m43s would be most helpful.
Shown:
11h18m13s
